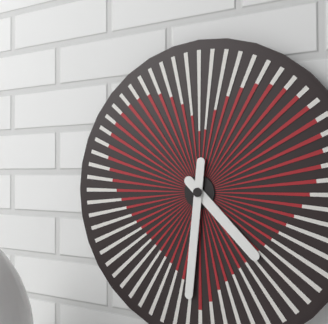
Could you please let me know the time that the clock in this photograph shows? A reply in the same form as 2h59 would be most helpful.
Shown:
4h31
